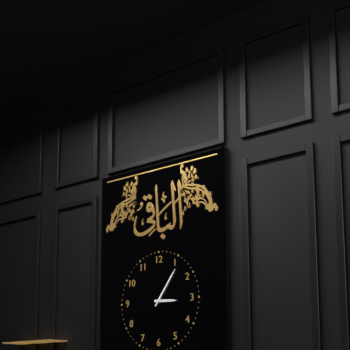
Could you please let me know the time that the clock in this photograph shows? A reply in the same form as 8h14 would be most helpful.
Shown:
3h06
